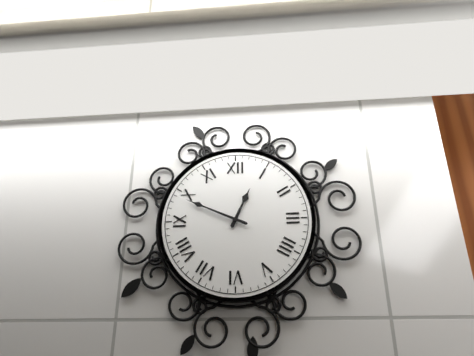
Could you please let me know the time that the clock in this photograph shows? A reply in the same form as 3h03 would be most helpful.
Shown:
12h49
